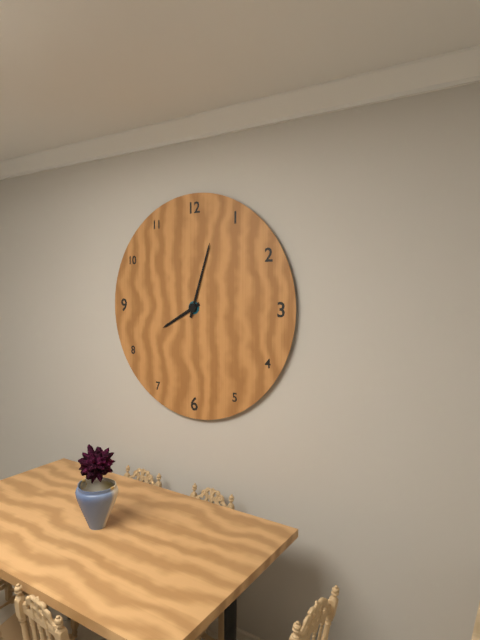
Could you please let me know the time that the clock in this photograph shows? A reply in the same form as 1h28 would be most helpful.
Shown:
8h03
